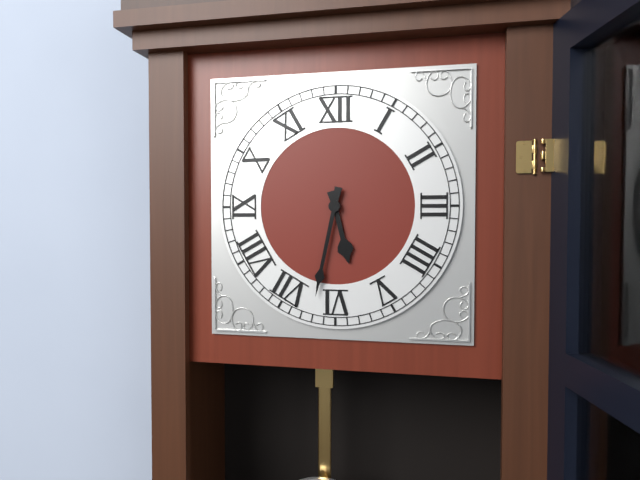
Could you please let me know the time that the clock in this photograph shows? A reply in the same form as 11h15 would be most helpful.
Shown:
5h32
